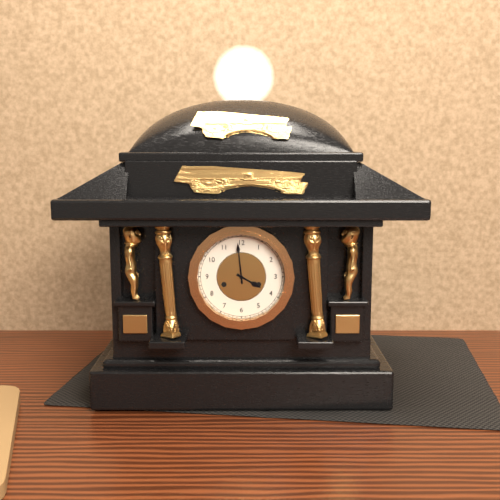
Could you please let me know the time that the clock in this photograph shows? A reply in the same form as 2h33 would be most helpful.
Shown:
3h59
